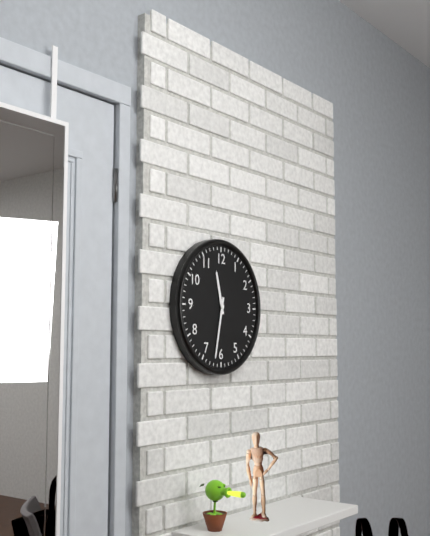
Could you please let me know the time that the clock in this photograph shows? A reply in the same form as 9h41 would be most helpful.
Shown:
11h32
